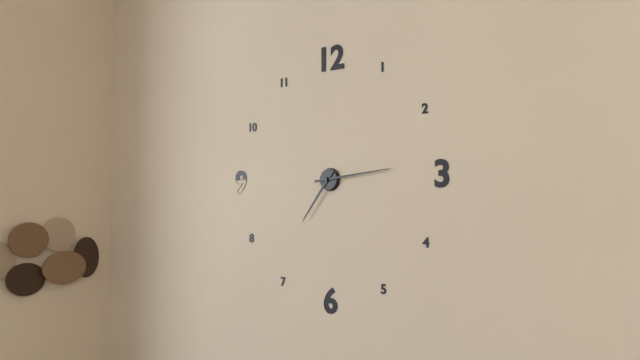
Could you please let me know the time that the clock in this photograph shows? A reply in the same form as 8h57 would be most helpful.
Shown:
7h14
